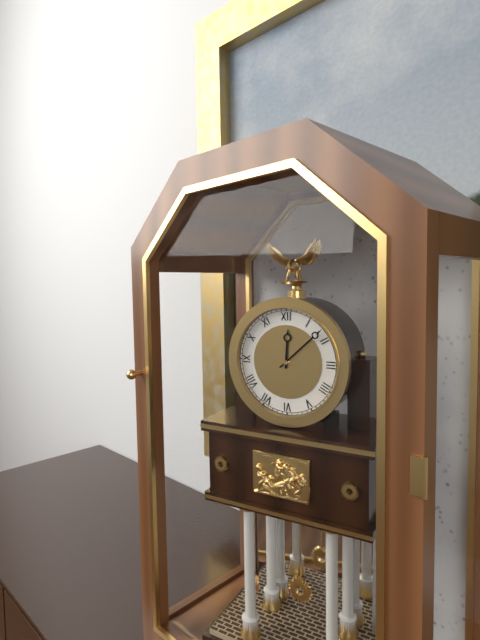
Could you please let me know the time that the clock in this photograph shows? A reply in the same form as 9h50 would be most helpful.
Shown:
12h08
